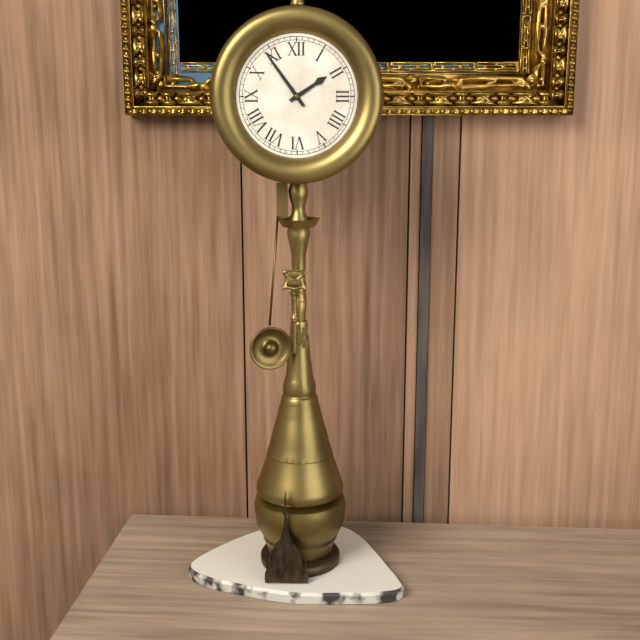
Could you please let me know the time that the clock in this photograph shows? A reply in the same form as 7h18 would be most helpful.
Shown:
1h54
